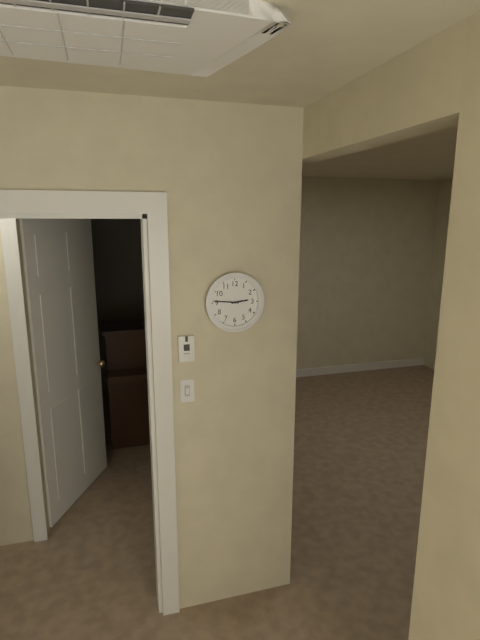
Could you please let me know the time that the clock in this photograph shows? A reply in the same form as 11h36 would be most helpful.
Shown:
2h46
